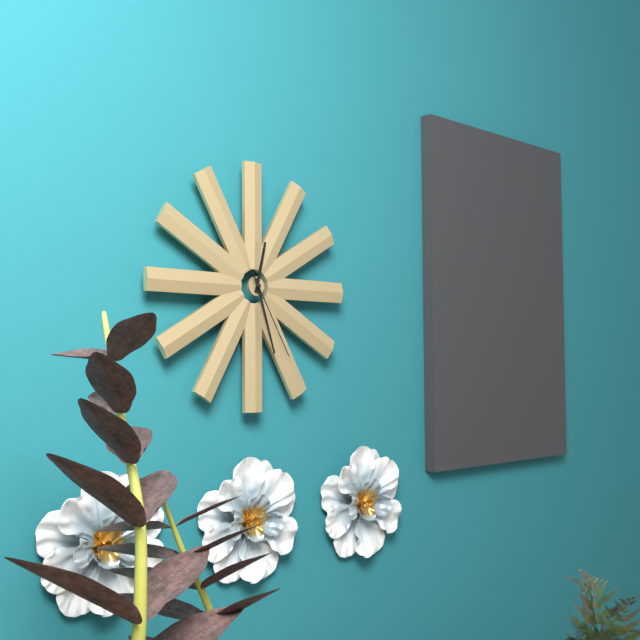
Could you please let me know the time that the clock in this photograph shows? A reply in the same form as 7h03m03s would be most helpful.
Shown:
12h27m25s
